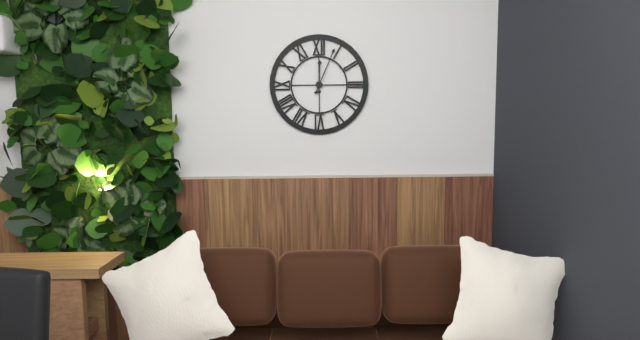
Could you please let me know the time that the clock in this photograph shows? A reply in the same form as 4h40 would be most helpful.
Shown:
12h04
